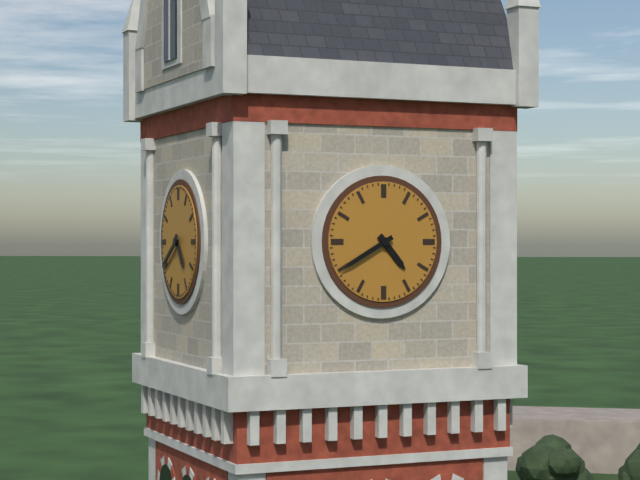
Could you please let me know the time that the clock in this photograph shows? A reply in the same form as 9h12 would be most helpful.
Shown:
4h40
